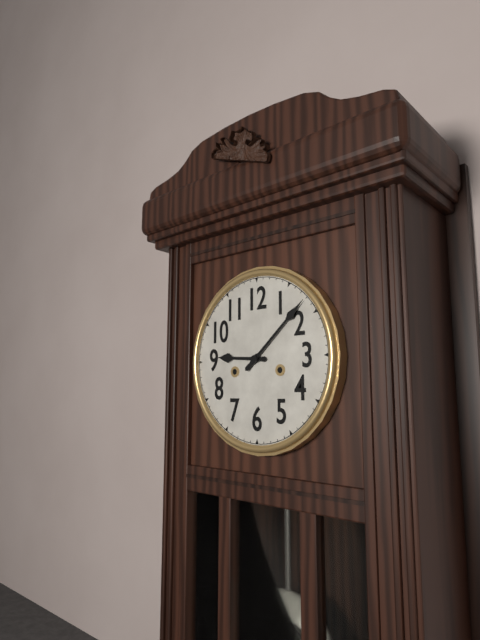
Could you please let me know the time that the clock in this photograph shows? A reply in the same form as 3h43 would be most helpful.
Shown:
9h08
